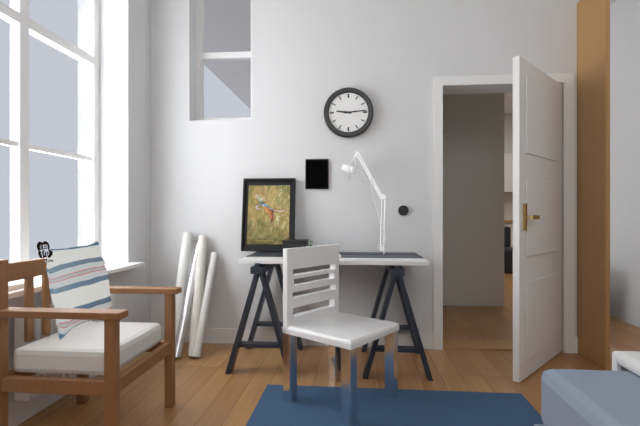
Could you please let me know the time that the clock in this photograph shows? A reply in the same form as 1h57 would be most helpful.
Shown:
9h14
